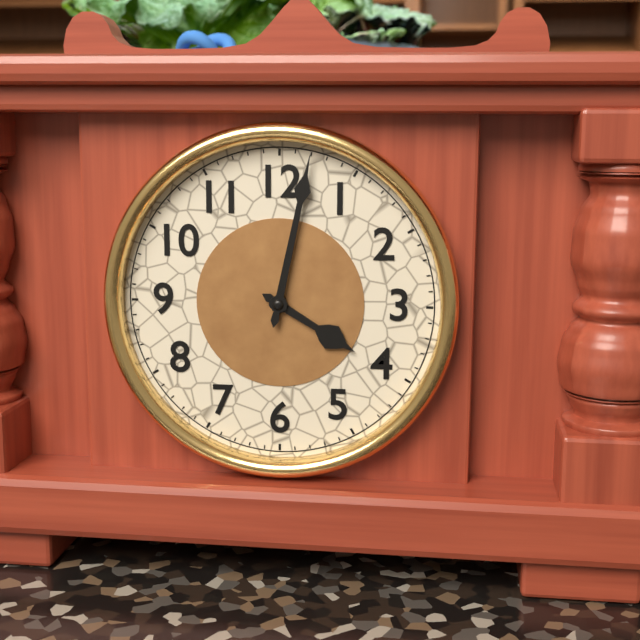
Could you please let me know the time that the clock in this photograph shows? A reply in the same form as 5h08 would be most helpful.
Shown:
4h02
